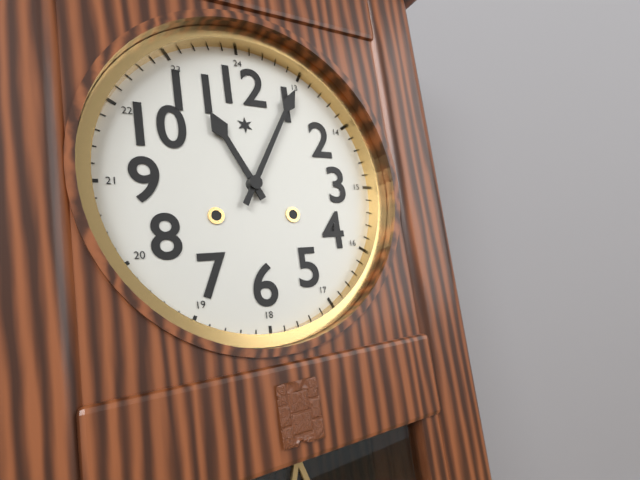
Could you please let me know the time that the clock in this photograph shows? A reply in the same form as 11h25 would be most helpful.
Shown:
11h05
